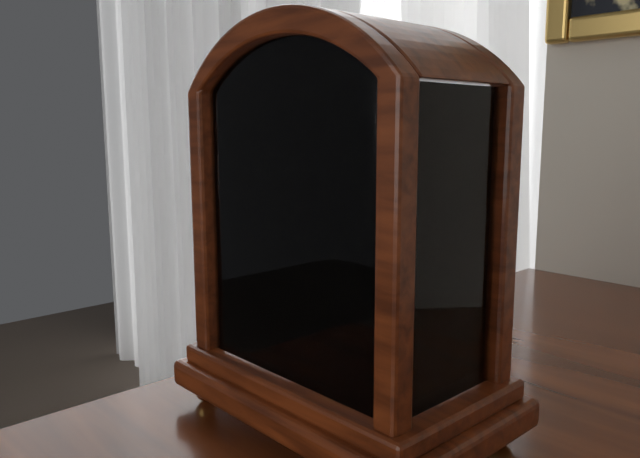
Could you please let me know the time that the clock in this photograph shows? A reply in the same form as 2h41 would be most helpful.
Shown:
12h01
